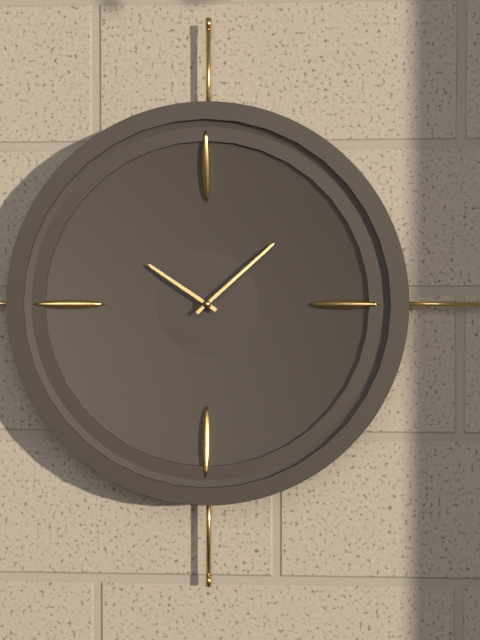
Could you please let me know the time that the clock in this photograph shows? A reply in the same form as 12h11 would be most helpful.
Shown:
10h08
